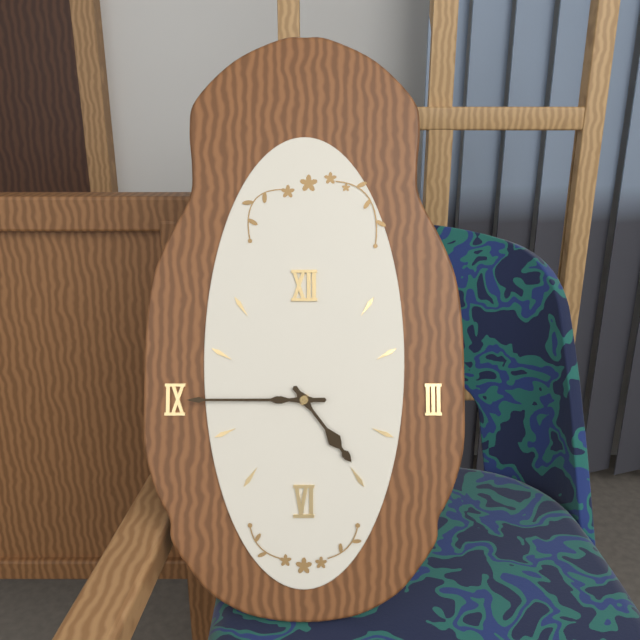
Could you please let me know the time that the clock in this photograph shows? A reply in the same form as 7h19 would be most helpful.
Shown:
4h45
